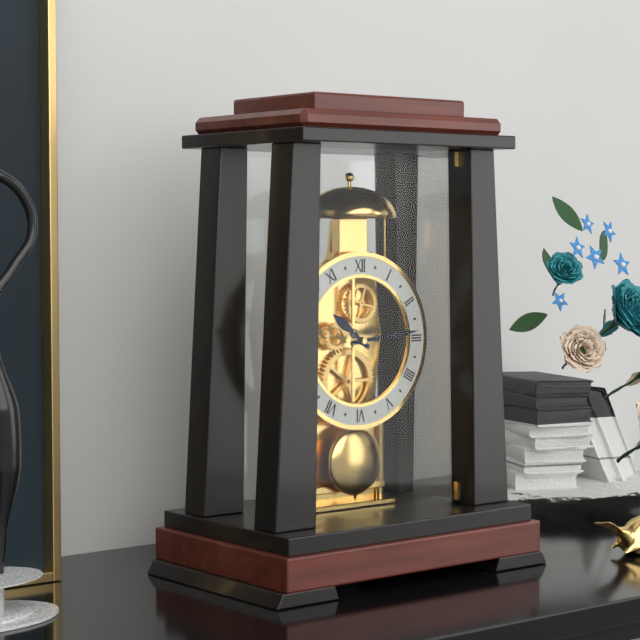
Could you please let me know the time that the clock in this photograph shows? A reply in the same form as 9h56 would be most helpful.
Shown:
10h14
